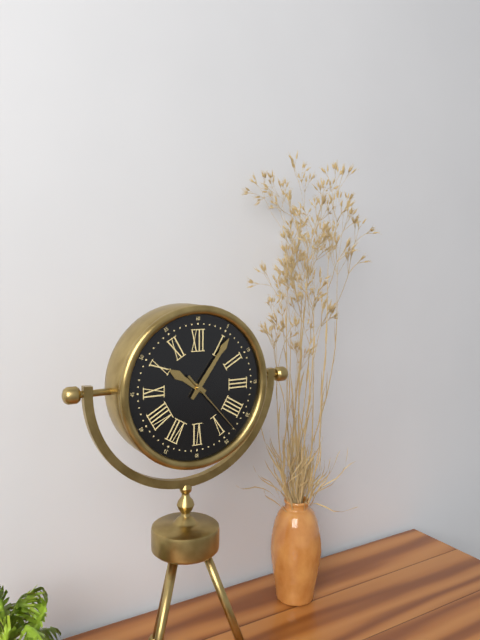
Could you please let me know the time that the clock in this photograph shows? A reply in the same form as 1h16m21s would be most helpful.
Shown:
10h06m23s
